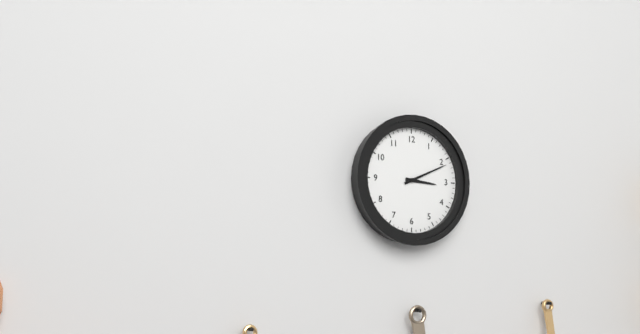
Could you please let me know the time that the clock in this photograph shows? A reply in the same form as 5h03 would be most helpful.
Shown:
3h11
